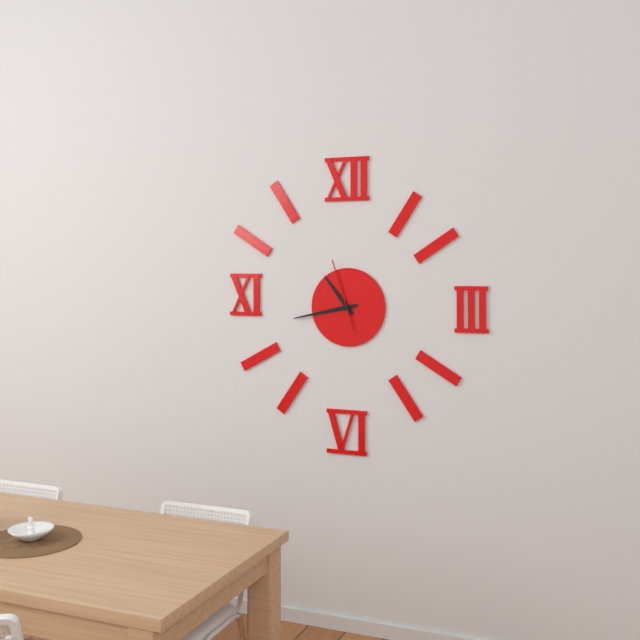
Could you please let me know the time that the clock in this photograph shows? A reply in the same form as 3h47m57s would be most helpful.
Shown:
10h43m57s
